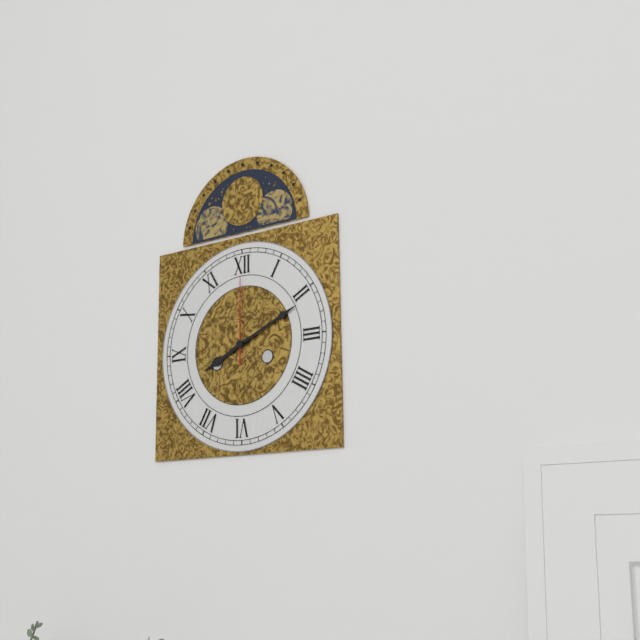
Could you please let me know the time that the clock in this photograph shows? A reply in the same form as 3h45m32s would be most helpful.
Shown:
8h11m00s
